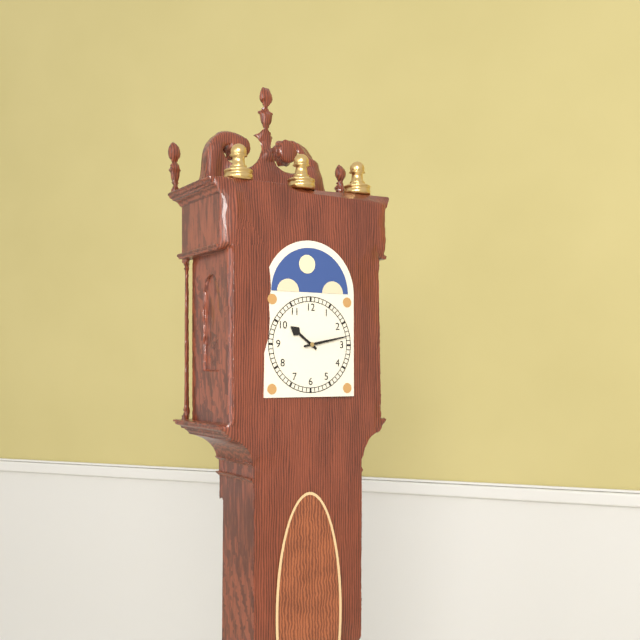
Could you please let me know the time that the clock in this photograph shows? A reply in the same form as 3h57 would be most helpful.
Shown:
10h13
